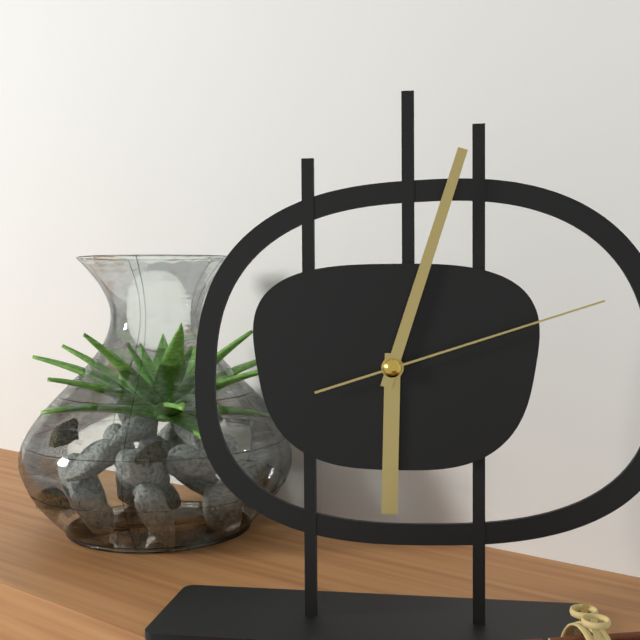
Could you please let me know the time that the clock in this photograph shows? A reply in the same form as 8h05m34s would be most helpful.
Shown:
6h03m12s
